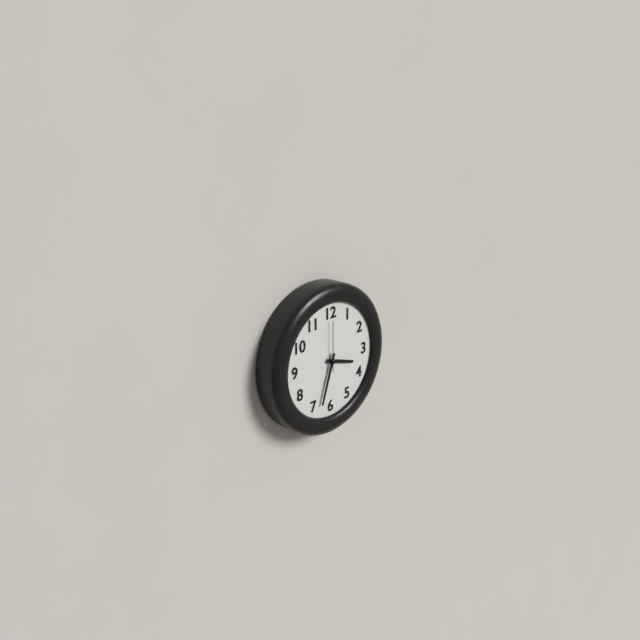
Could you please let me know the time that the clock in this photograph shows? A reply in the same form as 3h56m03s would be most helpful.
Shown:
3h33m00s
